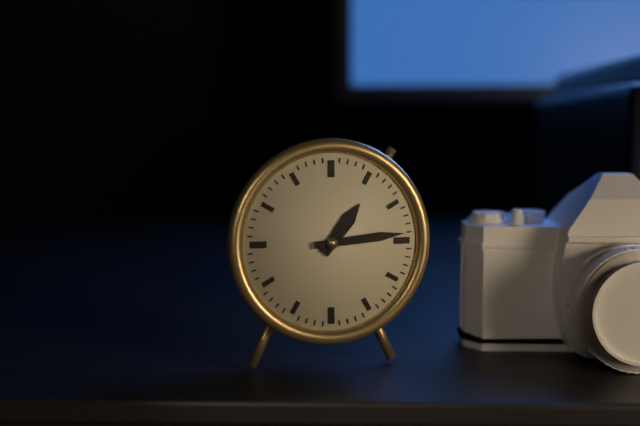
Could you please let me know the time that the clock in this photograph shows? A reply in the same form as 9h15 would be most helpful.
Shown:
1h14
